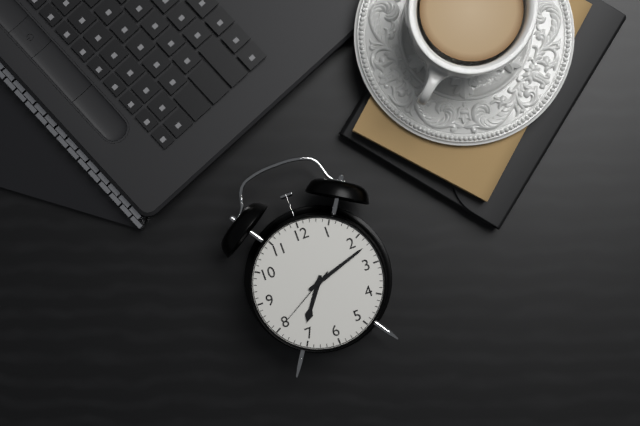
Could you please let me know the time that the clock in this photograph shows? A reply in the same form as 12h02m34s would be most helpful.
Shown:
7h12m40s
